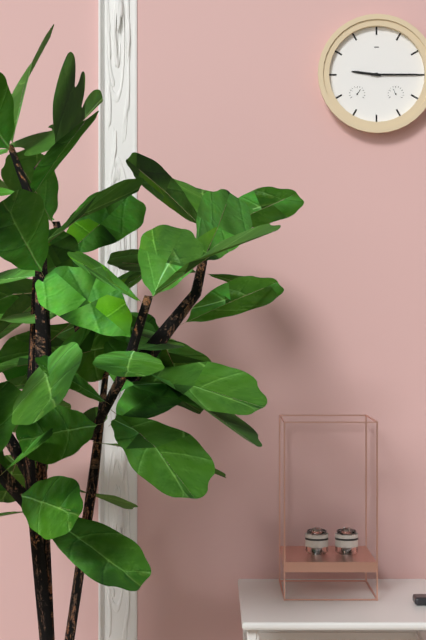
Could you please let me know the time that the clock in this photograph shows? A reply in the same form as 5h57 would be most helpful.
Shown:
9h15
